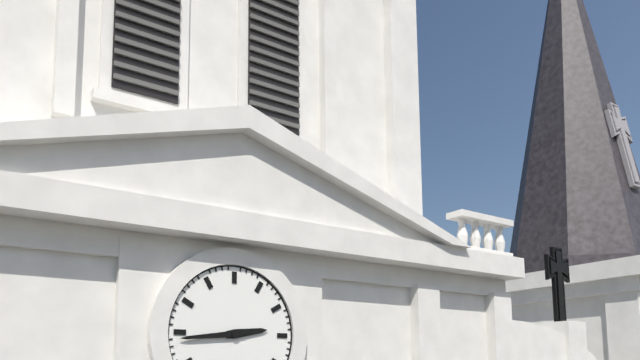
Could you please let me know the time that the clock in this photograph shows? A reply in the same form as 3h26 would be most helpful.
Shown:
2h44
